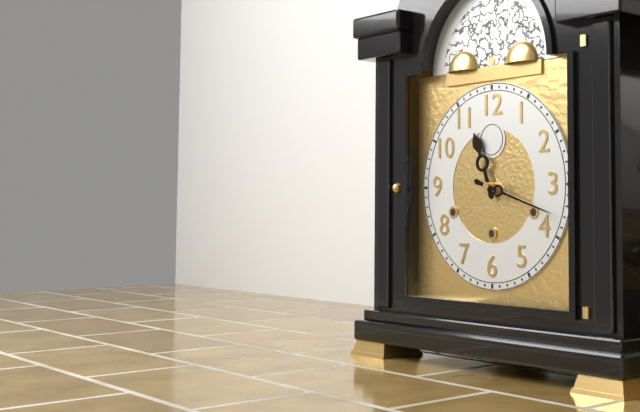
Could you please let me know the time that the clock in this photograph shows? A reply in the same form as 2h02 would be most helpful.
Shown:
11h18
